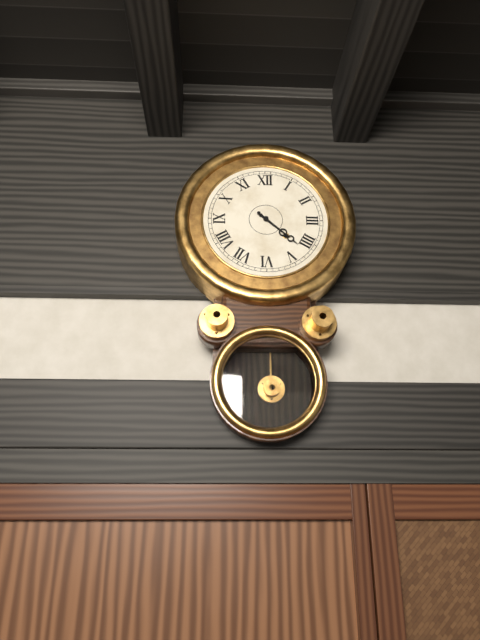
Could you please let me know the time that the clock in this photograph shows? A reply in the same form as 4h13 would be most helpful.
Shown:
4h22
